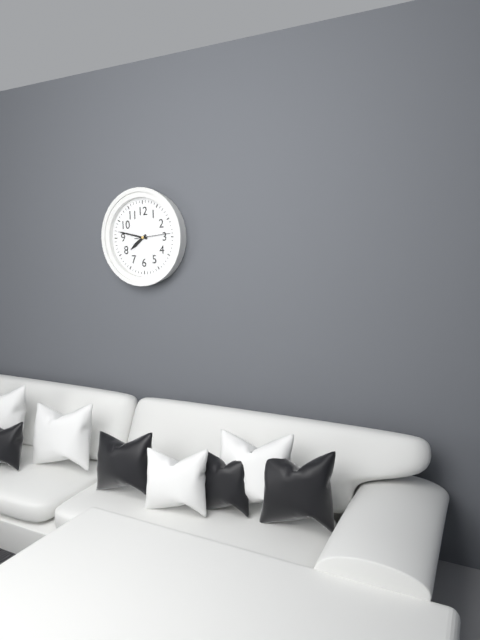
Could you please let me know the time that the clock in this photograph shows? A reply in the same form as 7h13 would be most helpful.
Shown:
7h47
